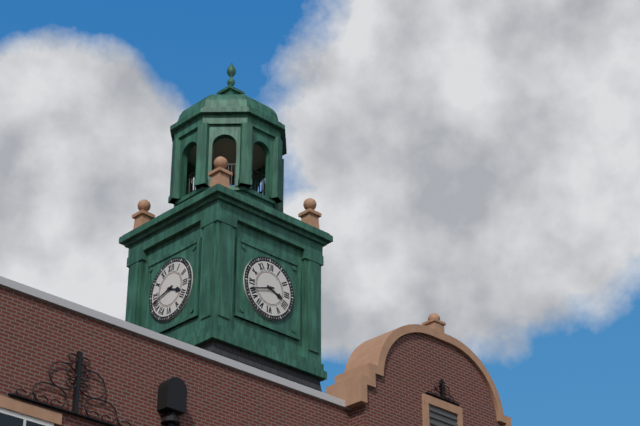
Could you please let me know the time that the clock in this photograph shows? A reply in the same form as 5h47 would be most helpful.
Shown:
3h42
